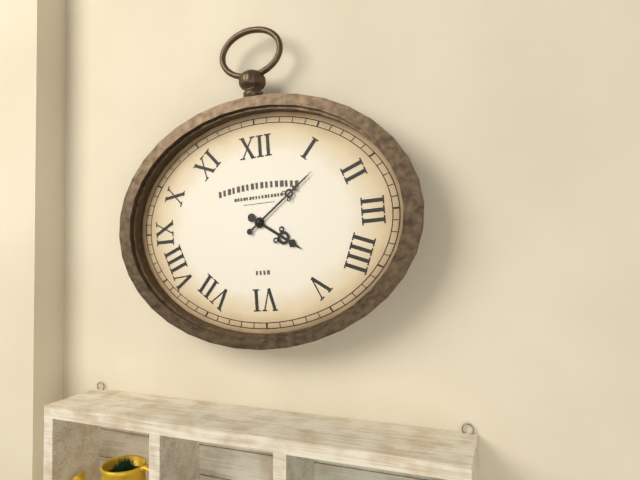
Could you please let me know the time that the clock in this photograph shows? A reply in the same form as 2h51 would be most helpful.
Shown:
4h09
